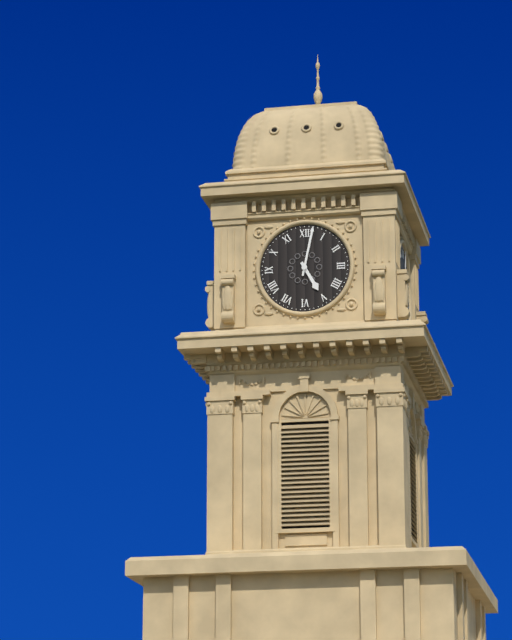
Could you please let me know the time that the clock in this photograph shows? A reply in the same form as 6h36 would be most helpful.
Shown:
5h02
